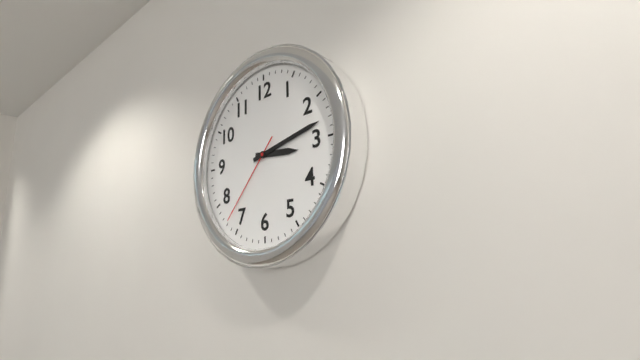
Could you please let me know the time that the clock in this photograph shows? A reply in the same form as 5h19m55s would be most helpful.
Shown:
3h13m37s
